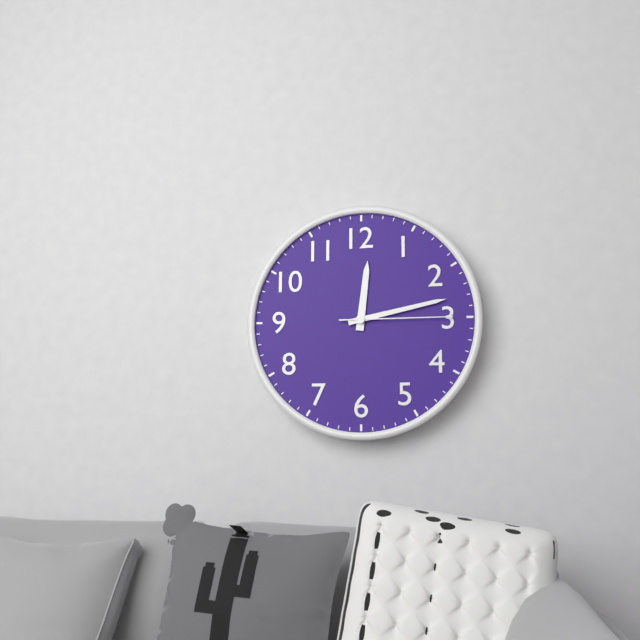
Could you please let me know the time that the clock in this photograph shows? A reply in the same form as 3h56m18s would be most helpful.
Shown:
12h13m15s
